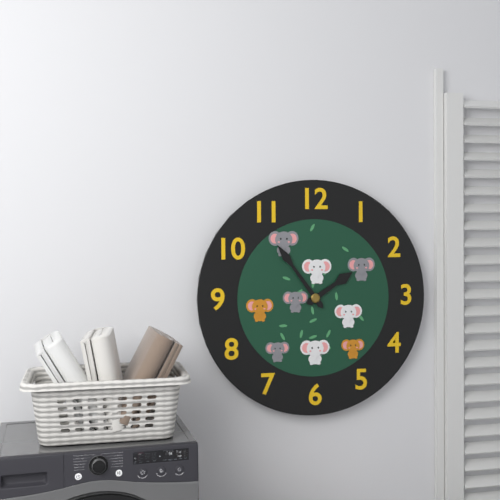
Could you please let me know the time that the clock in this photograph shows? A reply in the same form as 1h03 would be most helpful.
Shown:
1h54
